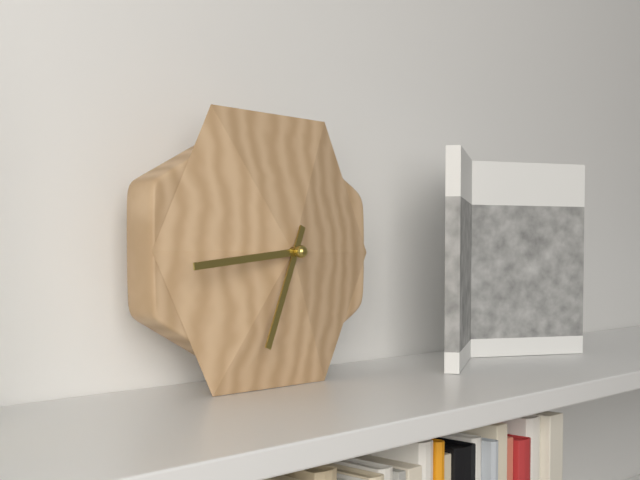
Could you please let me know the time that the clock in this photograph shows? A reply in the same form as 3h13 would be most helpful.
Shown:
6h44
